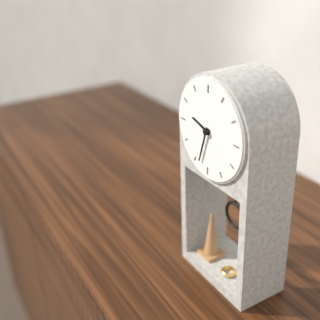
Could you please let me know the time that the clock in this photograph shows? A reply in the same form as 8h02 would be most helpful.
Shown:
9h33
